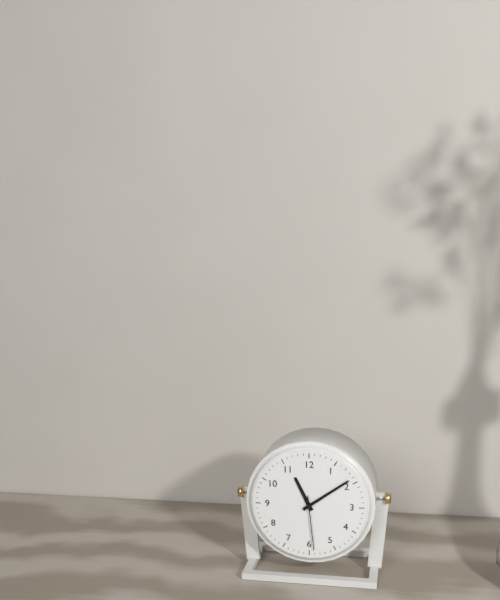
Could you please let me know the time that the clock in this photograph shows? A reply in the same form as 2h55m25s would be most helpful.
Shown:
11h09m29s
